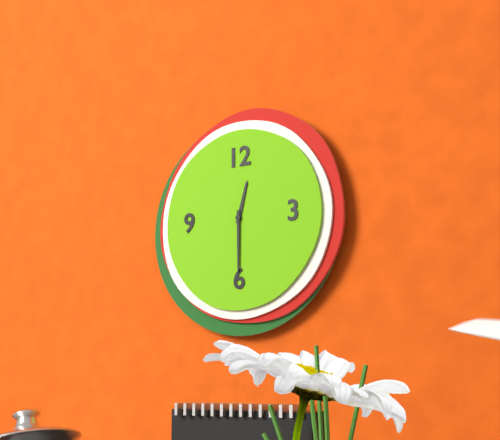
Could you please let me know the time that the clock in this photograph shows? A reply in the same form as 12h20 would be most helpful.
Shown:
12h30
